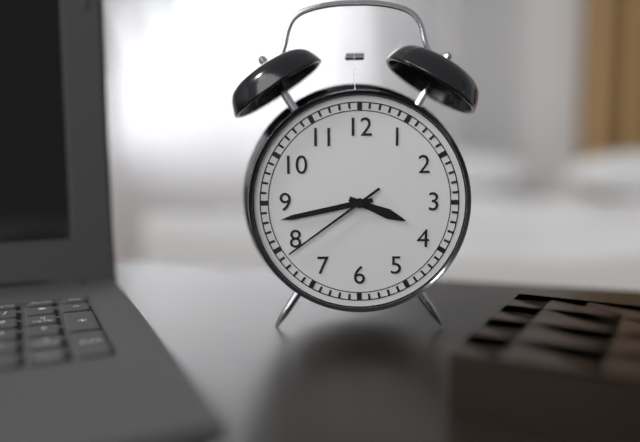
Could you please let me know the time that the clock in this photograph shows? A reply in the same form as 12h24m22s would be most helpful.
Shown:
3h43m39s
